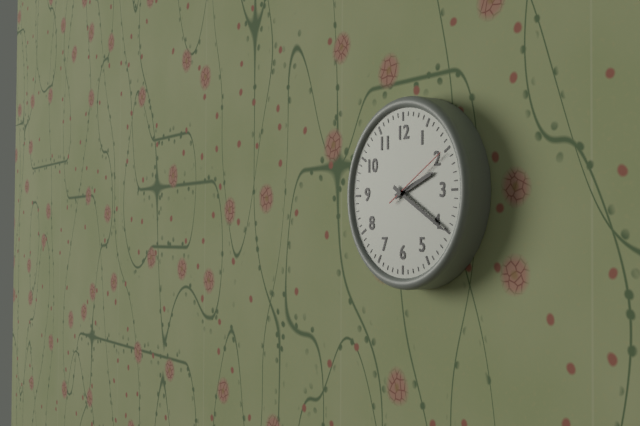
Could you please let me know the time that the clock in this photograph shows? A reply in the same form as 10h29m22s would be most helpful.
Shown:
2h20m10s
